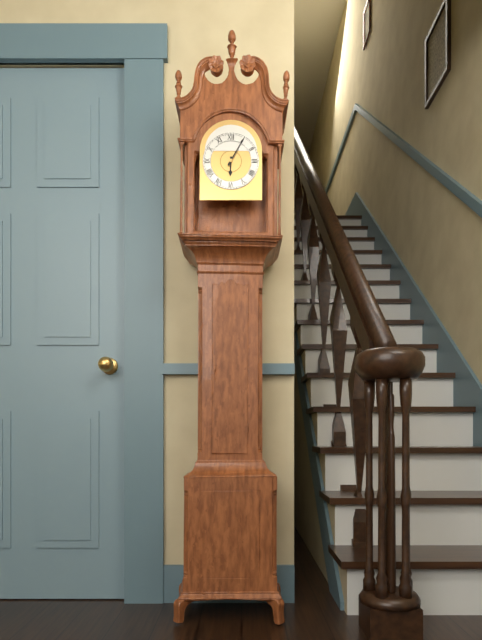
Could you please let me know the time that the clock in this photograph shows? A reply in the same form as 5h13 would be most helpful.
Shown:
6h05
